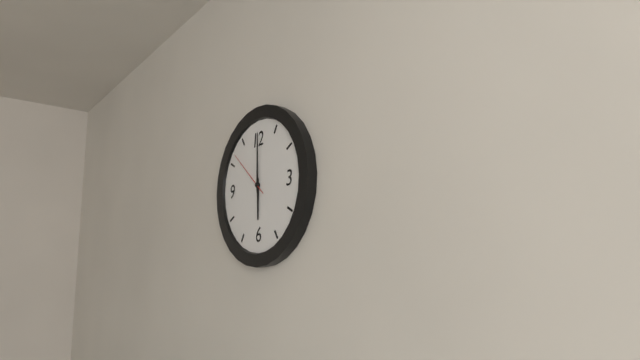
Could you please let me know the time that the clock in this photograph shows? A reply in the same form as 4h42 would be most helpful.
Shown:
6h00
